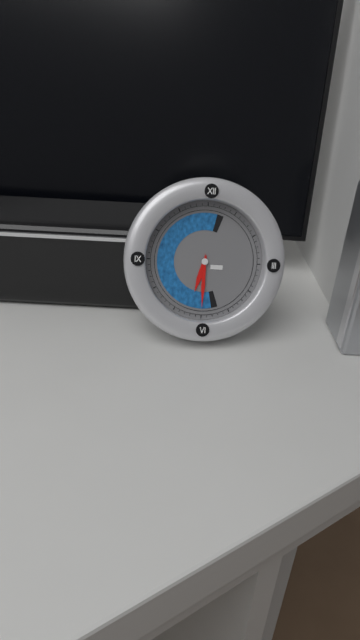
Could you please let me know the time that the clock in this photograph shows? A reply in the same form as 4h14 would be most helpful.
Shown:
6h30
